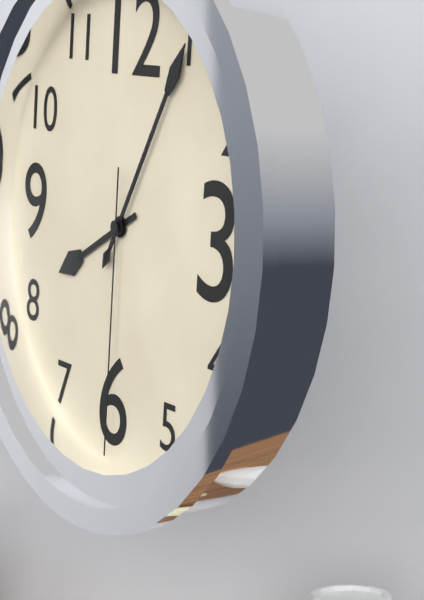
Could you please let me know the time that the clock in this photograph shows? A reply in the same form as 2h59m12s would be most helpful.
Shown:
8h05m30s
